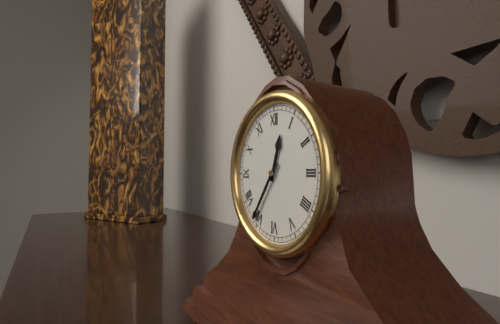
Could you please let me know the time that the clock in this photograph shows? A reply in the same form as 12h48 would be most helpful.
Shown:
12h36
